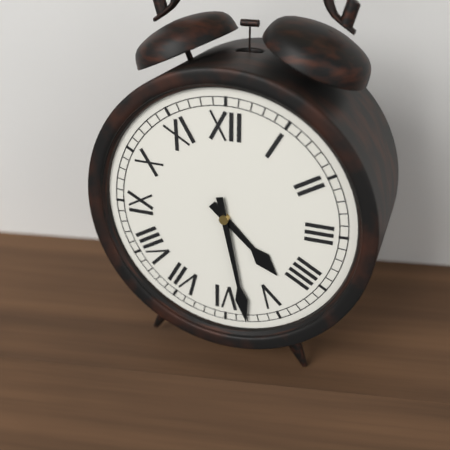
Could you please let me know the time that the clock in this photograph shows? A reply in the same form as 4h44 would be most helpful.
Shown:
4h28
